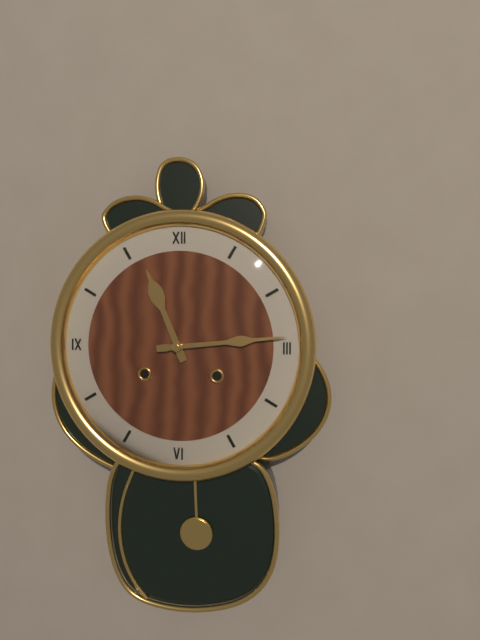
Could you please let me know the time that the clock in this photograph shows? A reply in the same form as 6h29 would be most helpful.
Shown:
11h14
